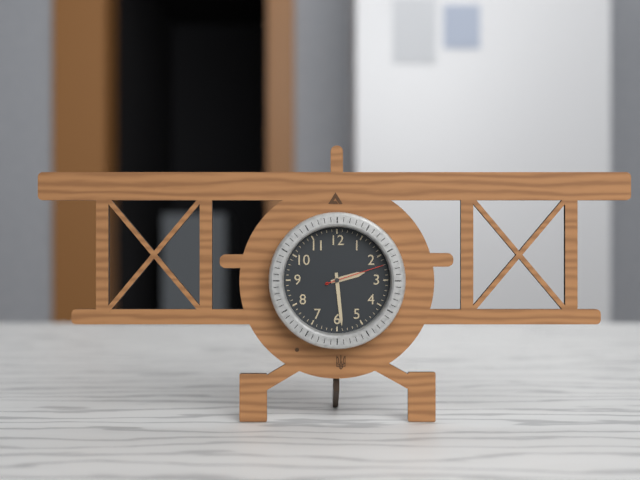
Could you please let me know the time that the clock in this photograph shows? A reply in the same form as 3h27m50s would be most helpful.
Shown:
2h29m12s
